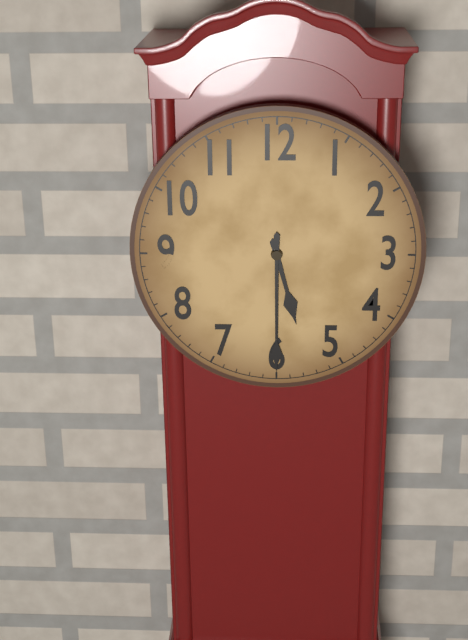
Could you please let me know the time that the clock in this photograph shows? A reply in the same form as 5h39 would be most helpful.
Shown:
5h30
